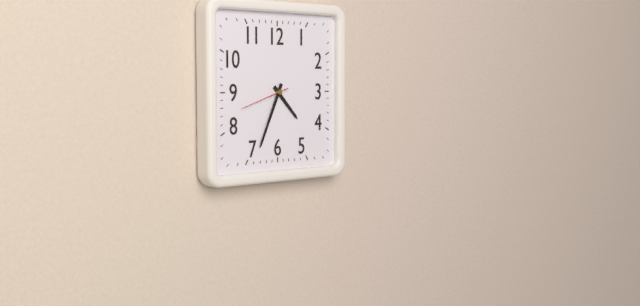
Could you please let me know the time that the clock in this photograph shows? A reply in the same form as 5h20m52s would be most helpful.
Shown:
4h34m42s
